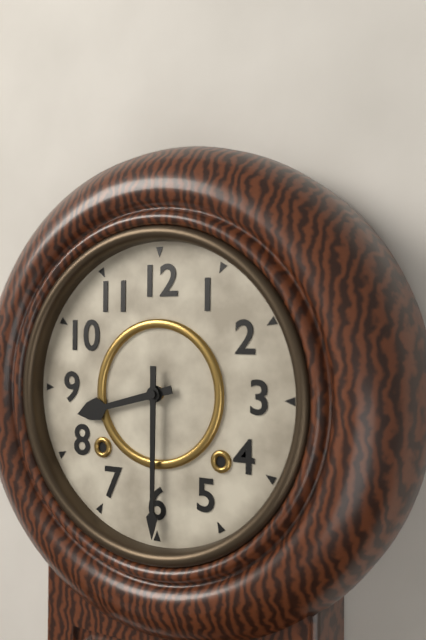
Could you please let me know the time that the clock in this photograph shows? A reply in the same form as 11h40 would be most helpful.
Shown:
8h30
